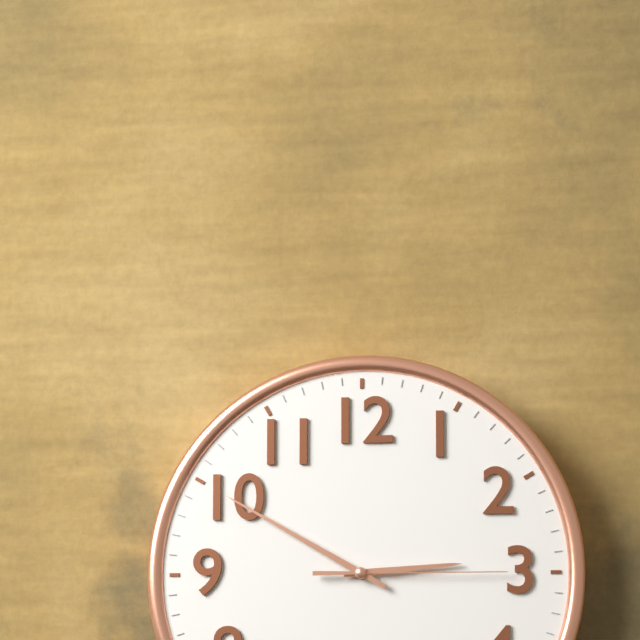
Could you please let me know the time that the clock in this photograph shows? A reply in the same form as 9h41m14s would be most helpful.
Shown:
2h50m15s
